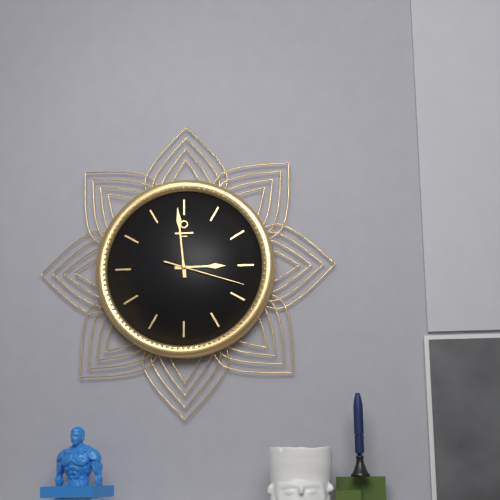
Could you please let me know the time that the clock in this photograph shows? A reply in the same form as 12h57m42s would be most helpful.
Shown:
2h59m18s
